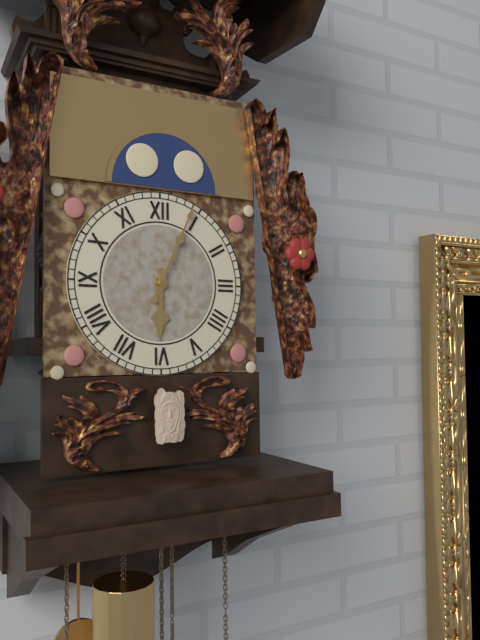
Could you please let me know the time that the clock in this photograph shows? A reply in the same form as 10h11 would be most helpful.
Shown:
6h04
